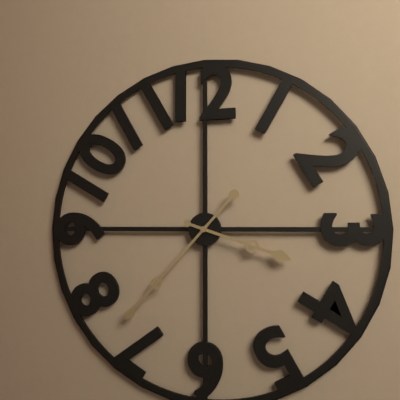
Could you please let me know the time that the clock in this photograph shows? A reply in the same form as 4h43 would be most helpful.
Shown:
3h37
